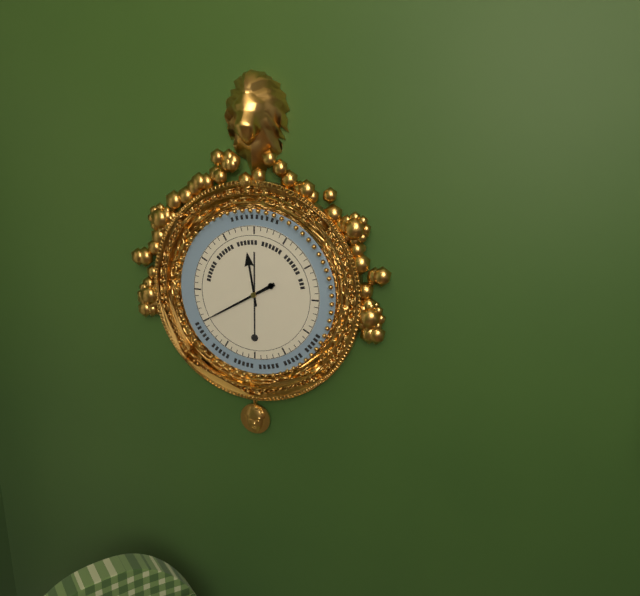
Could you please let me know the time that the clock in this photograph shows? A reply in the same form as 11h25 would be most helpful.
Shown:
11h40
